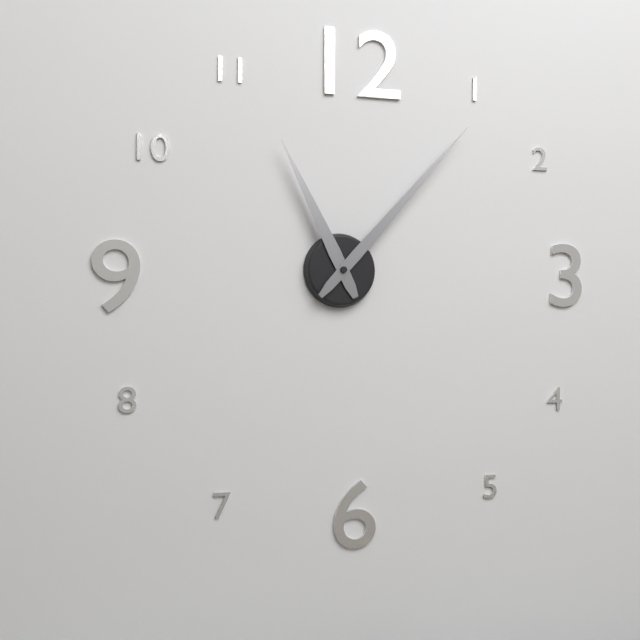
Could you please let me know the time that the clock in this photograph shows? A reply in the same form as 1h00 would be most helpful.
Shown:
11h07
